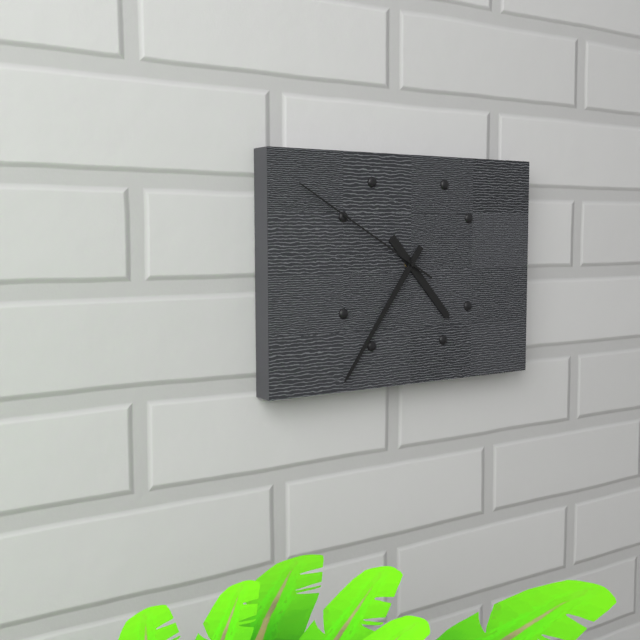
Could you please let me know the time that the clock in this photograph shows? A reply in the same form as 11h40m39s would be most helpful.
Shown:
4h36m50s
